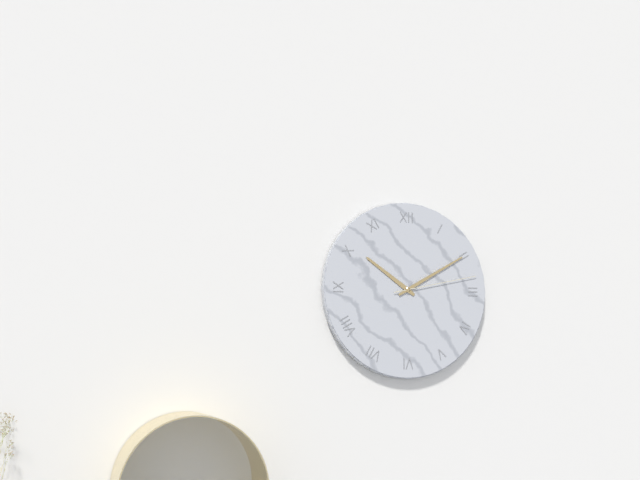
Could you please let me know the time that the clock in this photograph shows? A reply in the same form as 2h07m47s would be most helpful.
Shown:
10h10m13s
